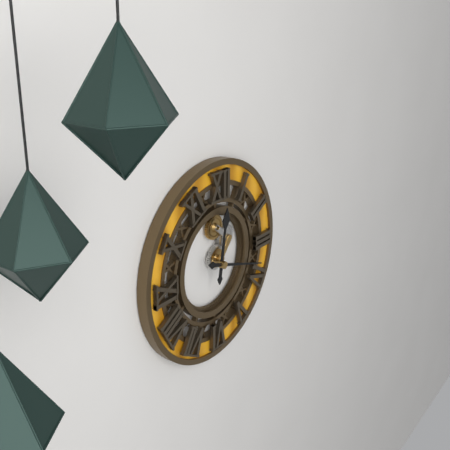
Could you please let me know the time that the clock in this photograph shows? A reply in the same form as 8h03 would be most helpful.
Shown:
12h18
